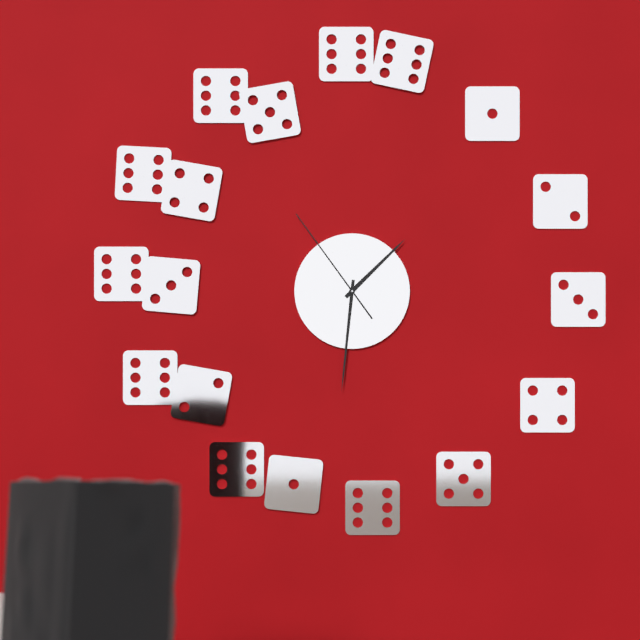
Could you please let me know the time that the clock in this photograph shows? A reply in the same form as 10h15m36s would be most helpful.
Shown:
1h31m54s
